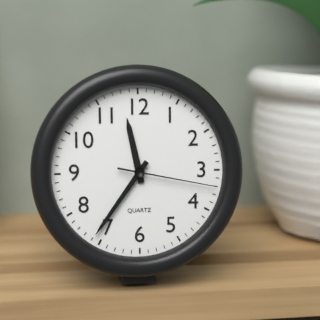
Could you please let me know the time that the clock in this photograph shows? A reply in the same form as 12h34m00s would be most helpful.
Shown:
11h36m17s
